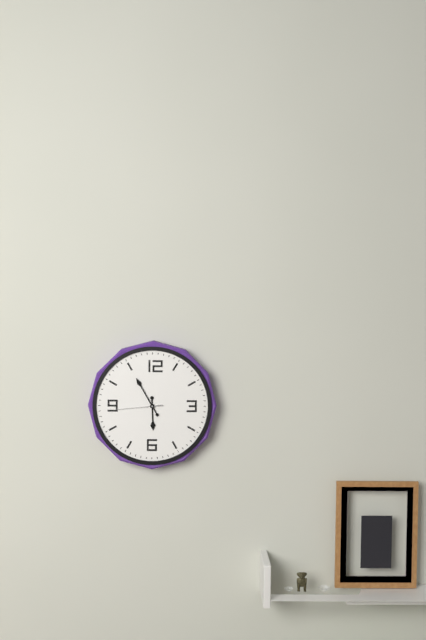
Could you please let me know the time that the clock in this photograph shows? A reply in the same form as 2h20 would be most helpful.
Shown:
5h55
